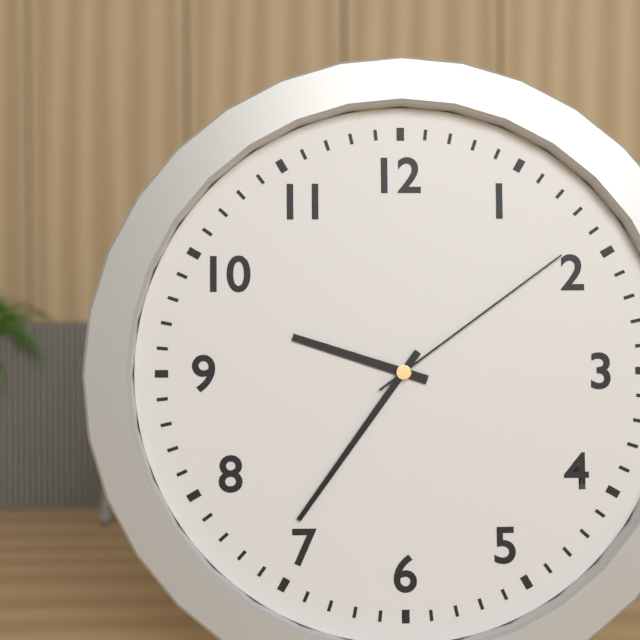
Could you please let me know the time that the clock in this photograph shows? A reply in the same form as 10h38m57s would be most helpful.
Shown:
9h36m09s
